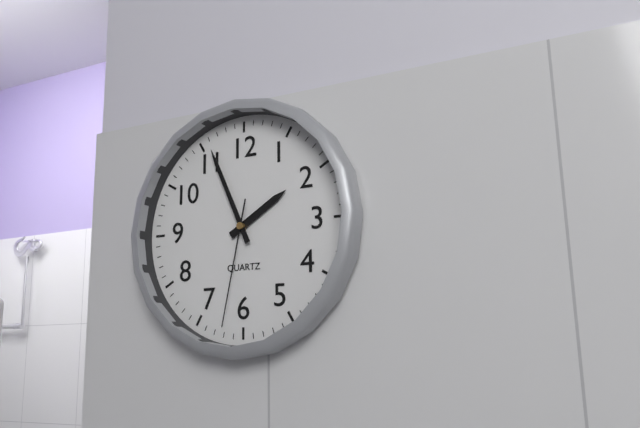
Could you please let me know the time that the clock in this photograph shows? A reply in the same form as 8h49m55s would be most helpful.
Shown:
1h56m32s
